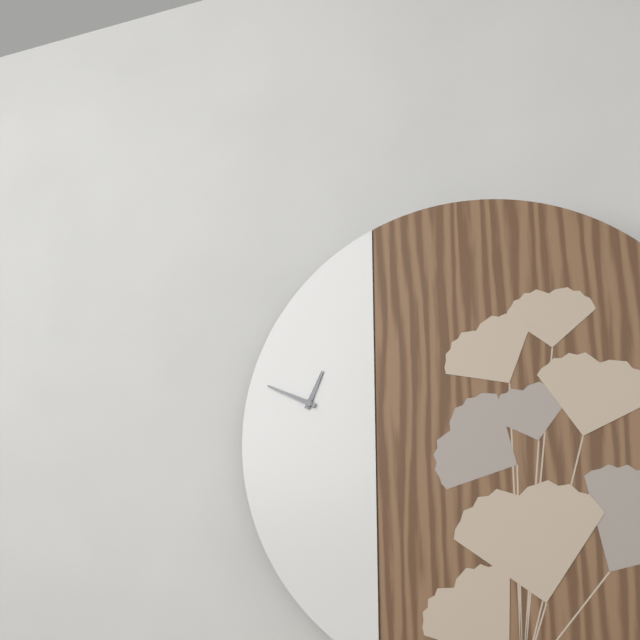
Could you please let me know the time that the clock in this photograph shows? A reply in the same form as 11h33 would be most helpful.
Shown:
12h49
